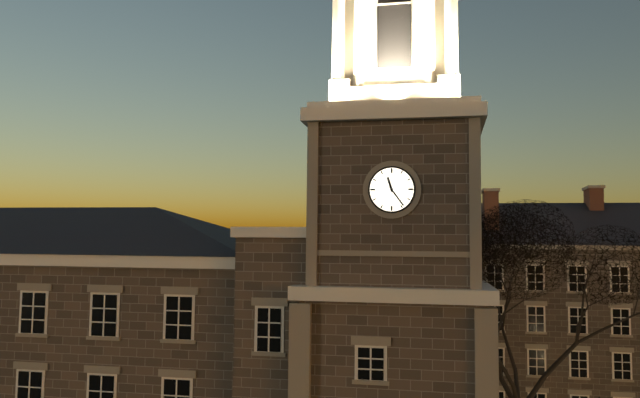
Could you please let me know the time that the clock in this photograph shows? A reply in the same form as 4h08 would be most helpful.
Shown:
11h24
